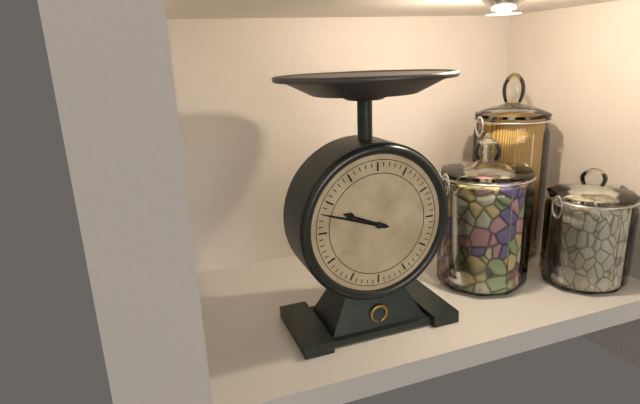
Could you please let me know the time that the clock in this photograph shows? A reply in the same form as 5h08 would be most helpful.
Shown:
9h48
